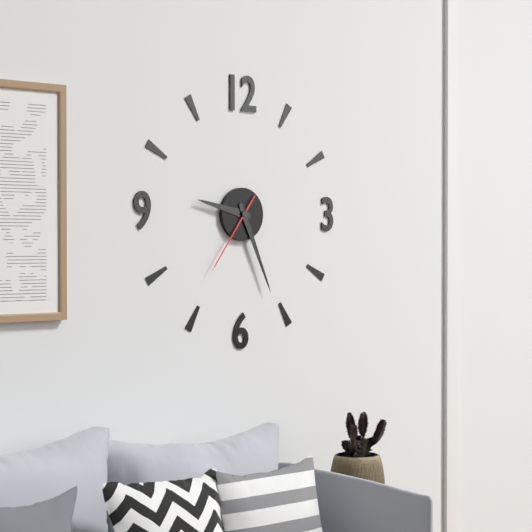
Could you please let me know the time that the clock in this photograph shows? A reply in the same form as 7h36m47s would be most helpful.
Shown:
9h26m36s
